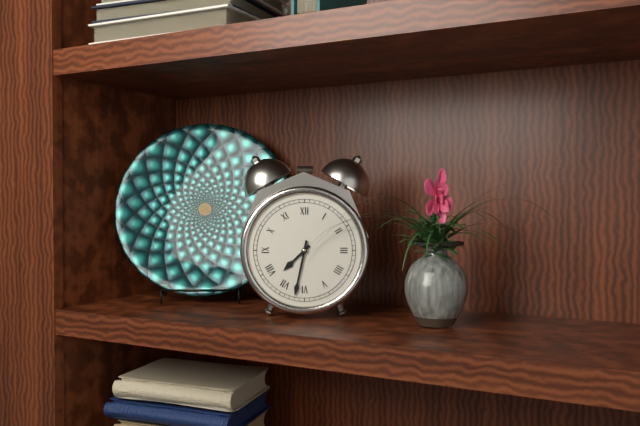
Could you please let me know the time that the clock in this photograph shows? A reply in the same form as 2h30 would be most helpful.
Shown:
7h32
